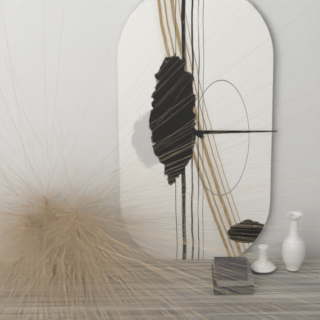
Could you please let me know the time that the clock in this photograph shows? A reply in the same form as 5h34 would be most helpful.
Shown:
10h15
